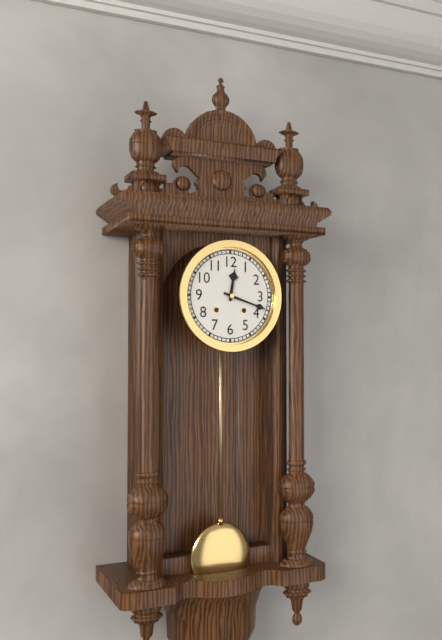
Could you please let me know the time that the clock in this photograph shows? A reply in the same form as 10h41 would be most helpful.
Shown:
12h18
